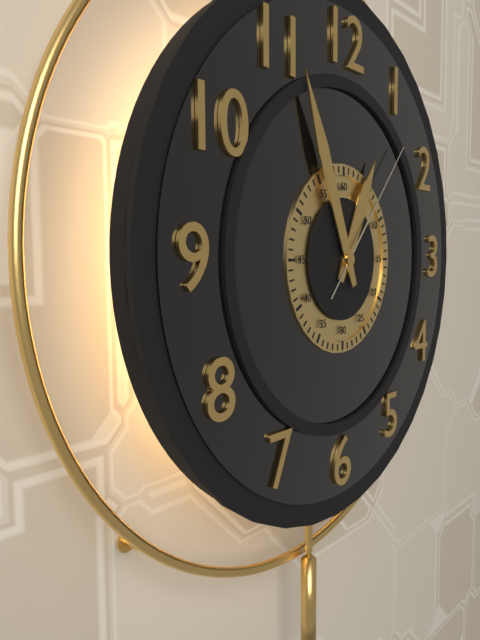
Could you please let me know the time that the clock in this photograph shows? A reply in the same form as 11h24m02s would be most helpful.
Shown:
12h56m07s
